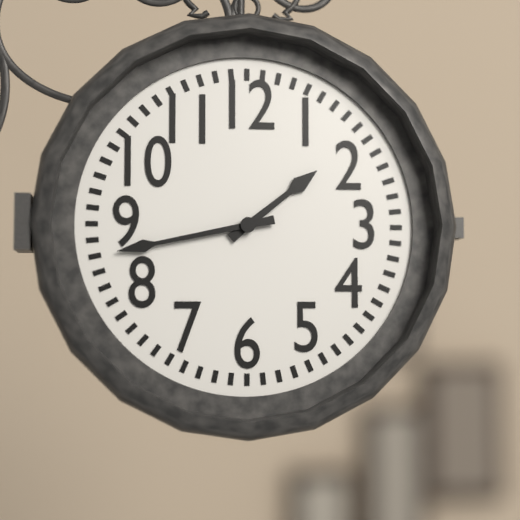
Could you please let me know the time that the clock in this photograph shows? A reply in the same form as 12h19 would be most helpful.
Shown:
1h43
